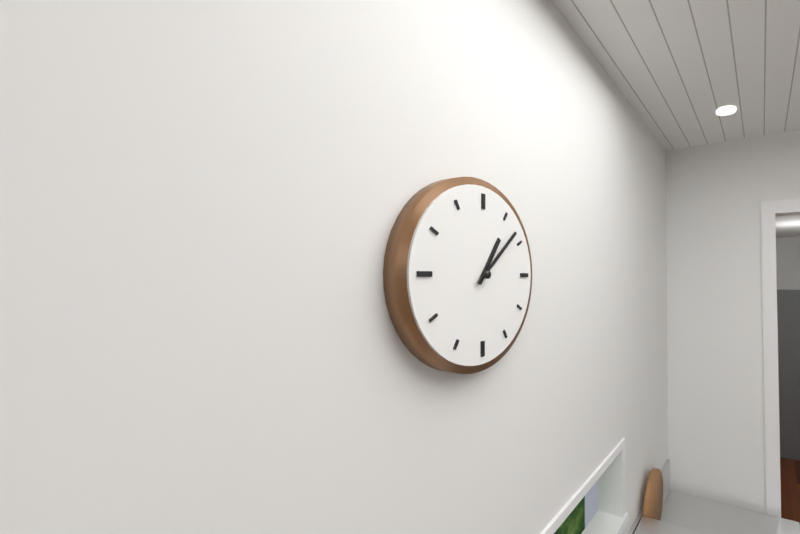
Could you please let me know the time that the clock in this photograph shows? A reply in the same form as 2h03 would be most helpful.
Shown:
1h08
